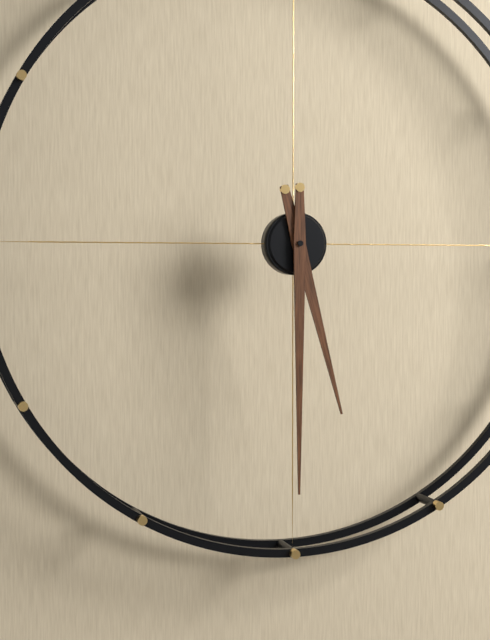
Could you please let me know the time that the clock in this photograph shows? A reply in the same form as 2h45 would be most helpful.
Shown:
5h30
